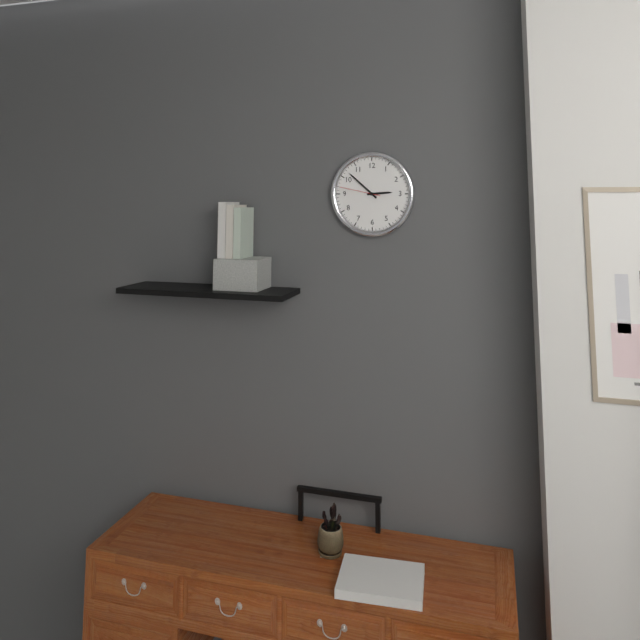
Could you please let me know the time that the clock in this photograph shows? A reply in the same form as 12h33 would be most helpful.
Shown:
2h52
